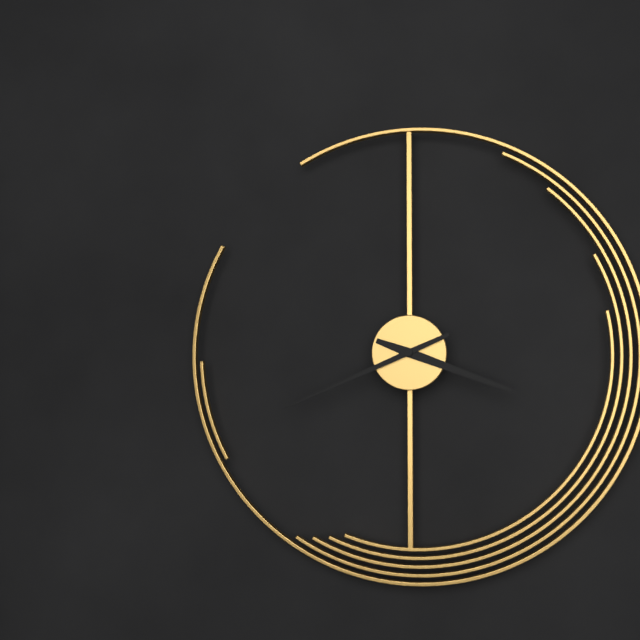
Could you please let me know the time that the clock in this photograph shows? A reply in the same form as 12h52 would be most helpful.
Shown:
3h41
